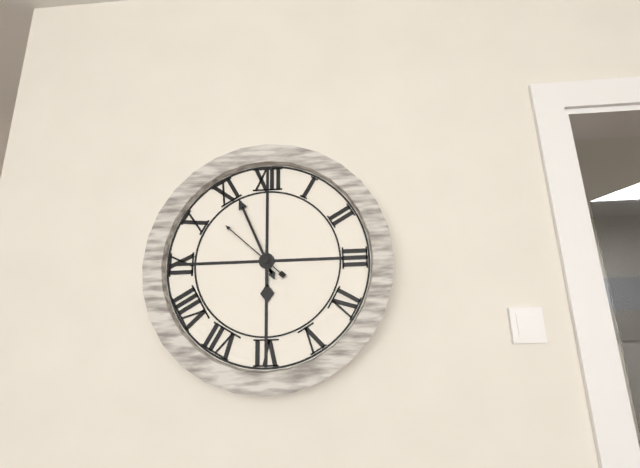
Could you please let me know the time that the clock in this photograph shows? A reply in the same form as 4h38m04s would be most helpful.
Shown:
5h56m52s
